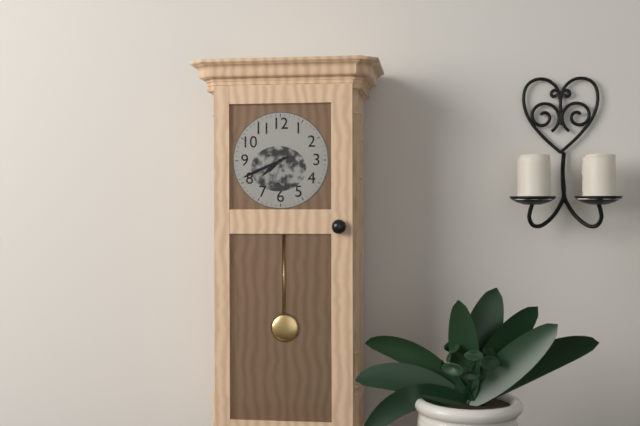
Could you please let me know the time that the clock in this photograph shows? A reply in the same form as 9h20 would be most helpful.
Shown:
7h41
